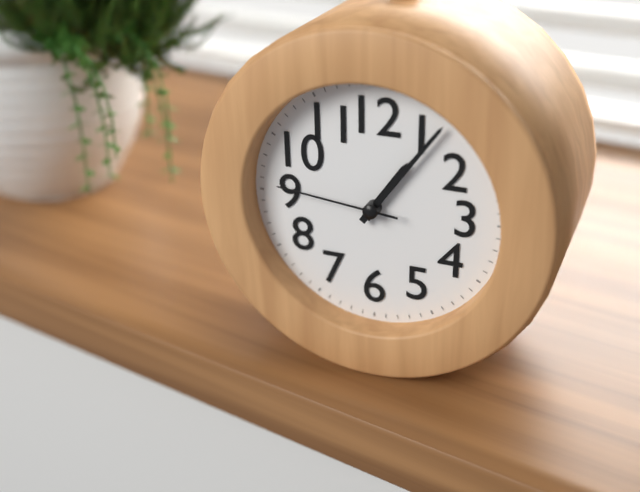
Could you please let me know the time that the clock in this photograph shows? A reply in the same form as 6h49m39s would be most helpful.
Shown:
1h06m46s
